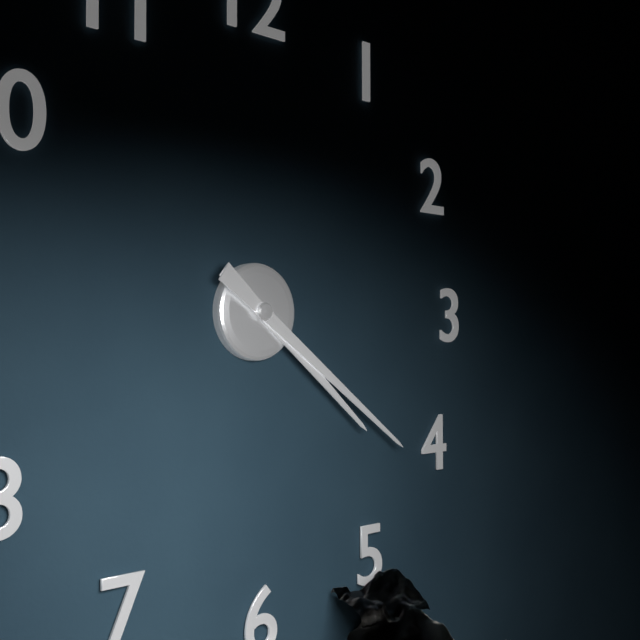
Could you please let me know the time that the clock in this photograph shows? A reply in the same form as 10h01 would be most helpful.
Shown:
4h21
